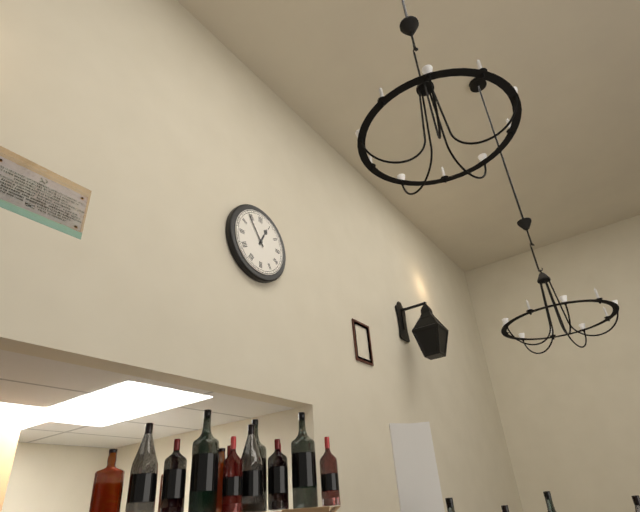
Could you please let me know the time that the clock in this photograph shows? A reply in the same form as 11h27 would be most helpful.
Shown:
12h54
